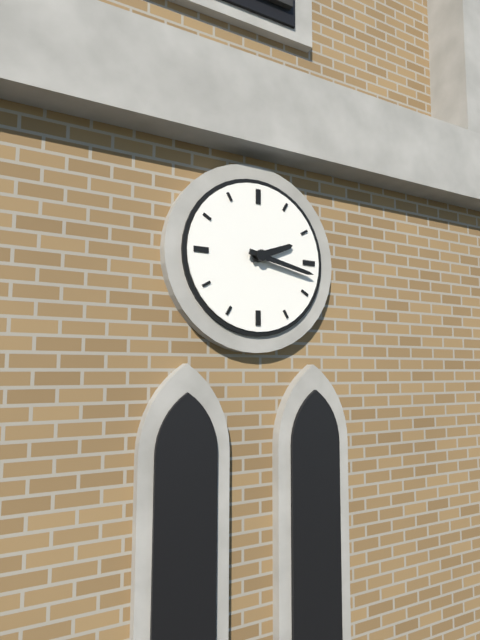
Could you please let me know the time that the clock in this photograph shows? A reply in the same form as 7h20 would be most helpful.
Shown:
2h17
